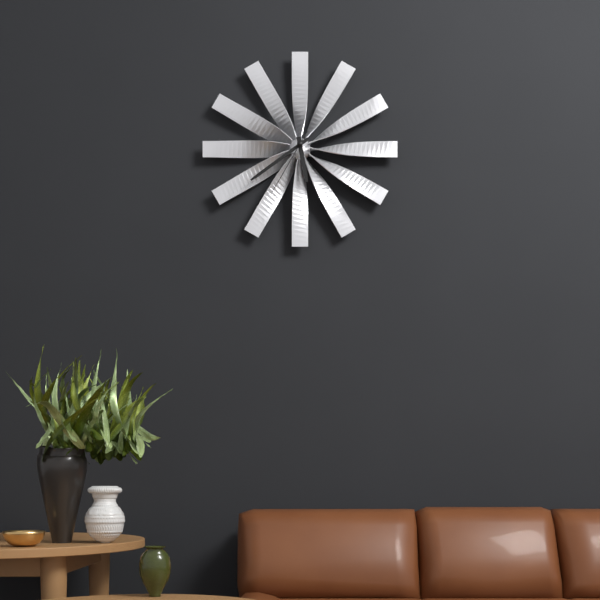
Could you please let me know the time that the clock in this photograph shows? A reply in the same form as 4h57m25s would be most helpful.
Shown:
5h39m35s
